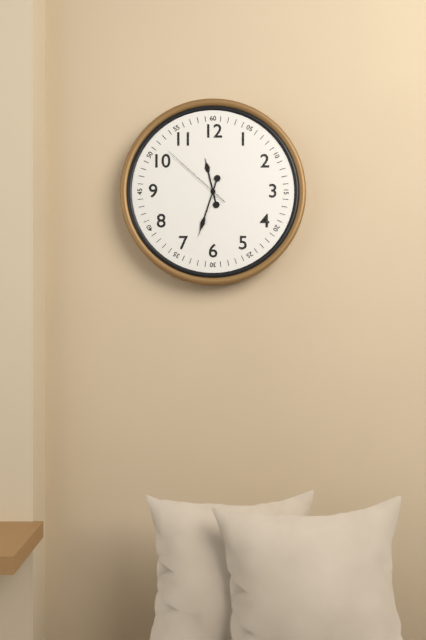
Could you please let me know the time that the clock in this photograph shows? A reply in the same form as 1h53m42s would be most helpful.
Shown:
11h33m52s
